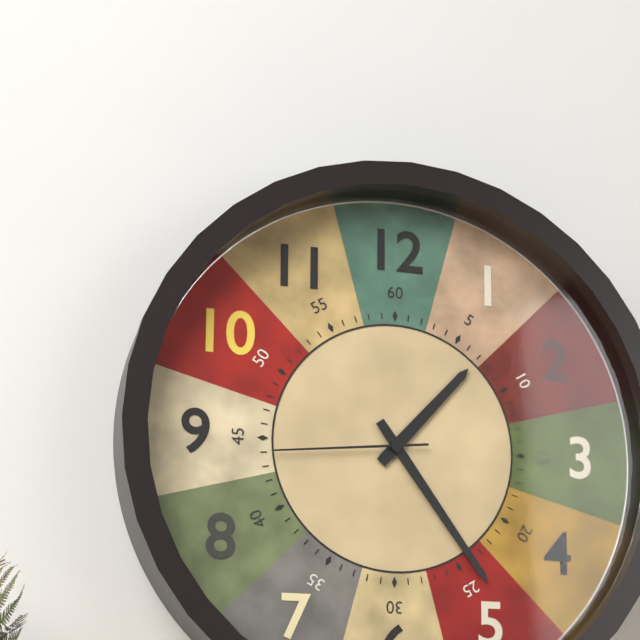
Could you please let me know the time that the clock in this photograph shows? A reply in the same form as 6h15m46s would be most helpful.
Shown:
1h24m44s
